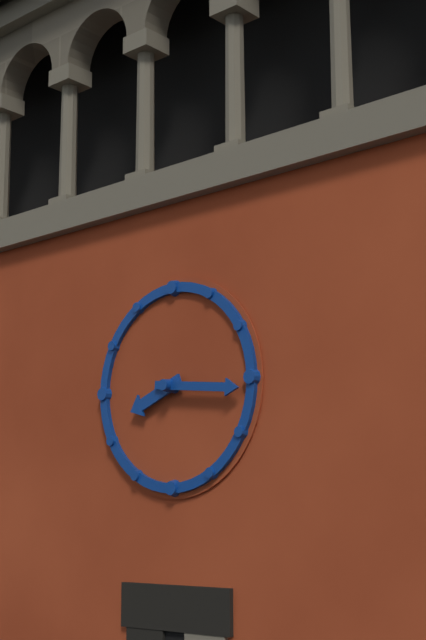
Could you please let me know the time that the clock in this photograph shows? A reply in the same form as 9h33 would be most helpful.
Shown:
8h16
